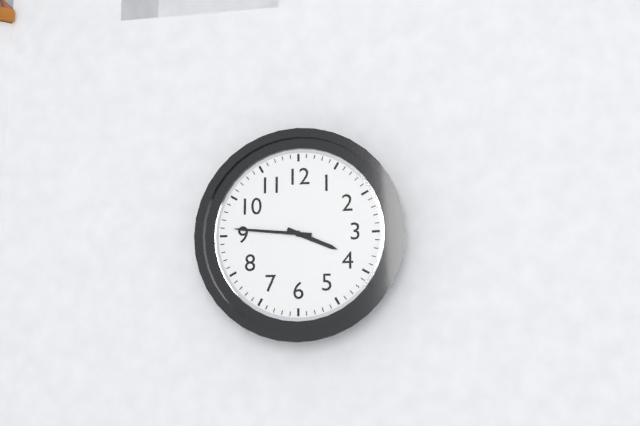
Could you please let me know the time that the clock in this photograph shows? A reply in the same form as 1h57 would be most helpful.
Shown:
3h46
